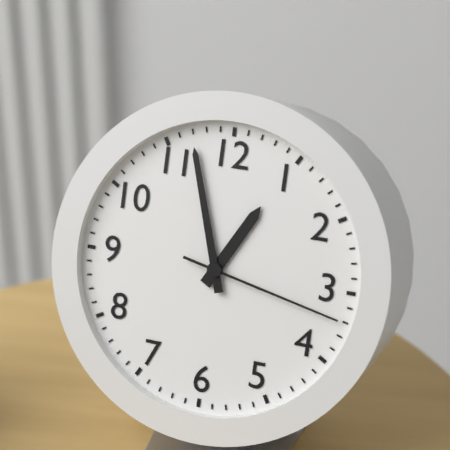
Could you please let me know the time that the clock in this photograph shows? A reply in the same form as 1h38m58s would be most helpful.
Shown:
12h57m17s
